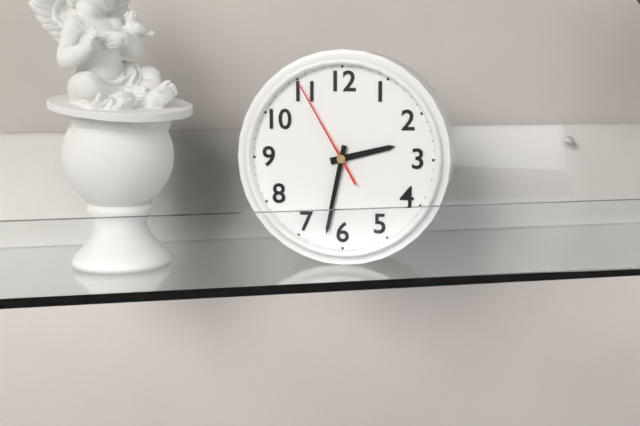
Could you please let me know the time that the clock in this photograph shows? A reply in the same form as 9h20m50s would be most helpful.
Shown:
2h32m55s
